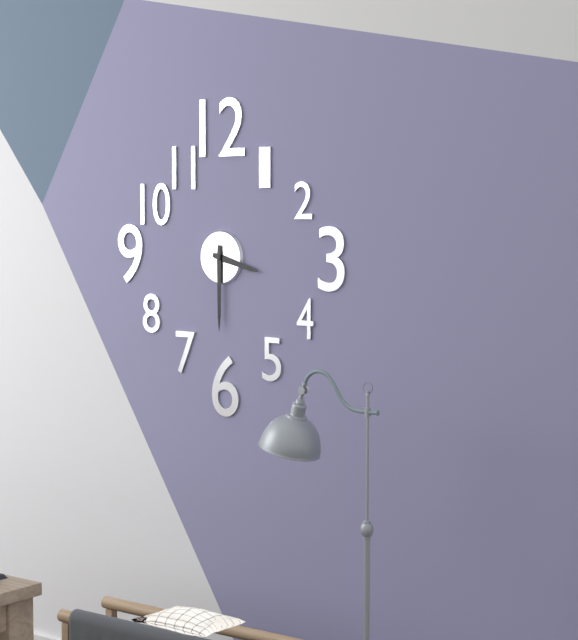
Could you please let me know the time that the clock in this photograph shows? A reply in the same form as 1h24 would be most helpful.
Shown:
3h30
